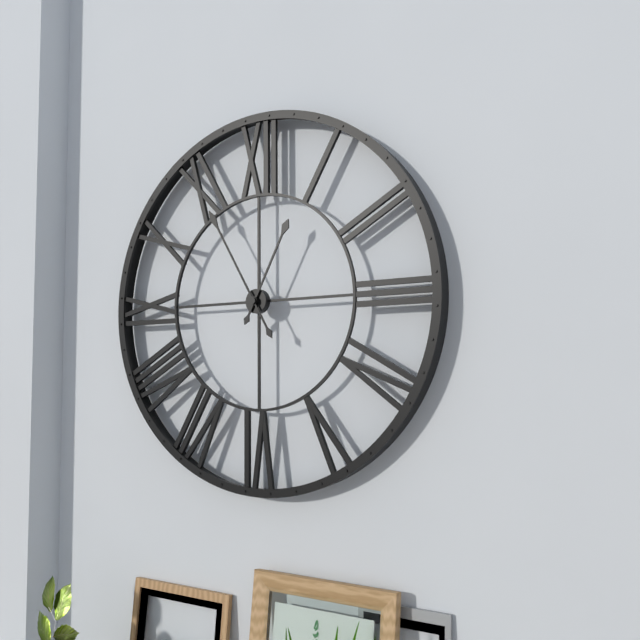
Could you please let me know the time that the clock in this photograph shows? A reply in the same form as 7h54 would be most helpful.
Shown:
12h55
